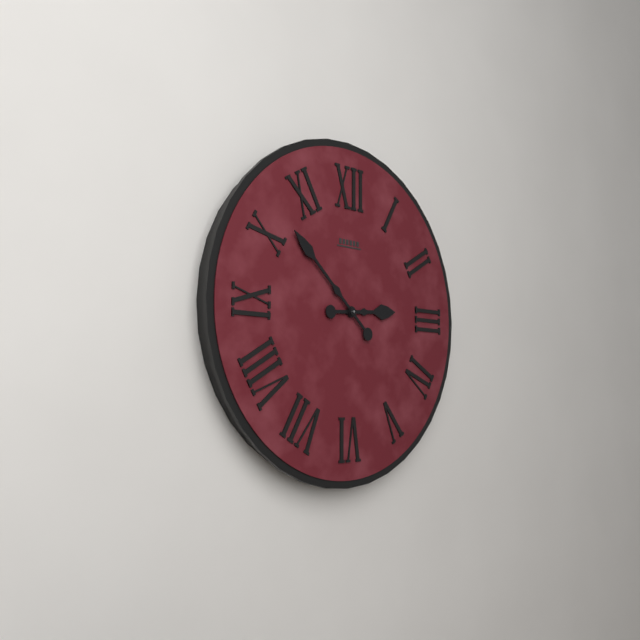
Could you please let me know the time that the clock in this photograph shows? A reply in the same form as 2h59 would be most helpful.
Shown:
2h52
